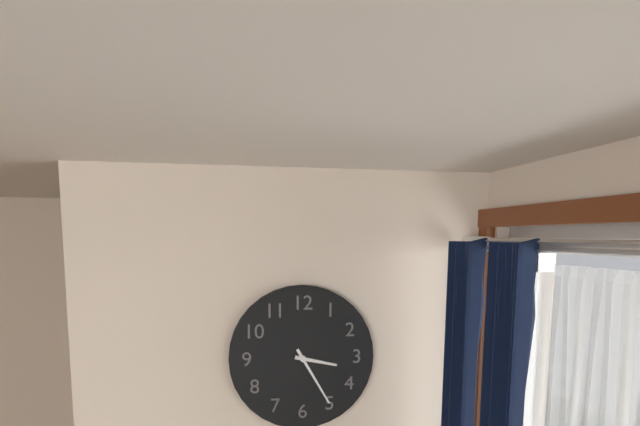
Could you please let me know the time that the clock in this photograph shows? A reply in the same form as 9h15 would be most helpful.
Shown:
3h25
